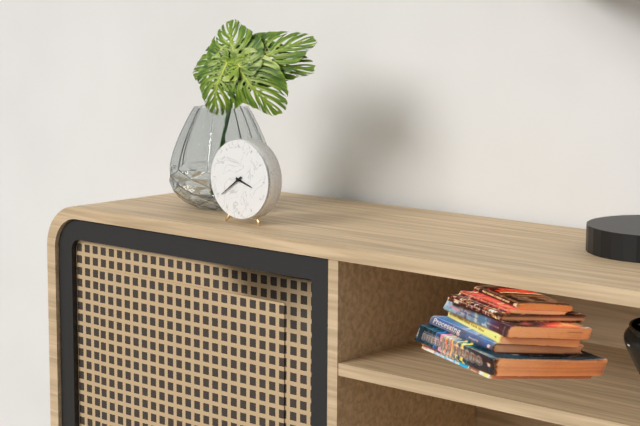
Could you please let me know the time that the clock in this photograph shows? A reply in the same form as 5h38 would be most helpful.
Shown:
3h39
